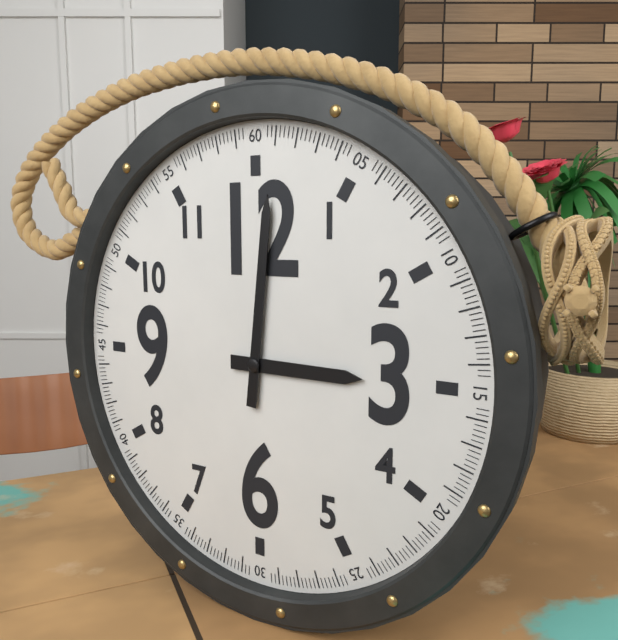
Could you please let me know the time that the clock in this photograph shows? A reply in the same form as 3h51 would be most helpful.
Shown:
3h01
